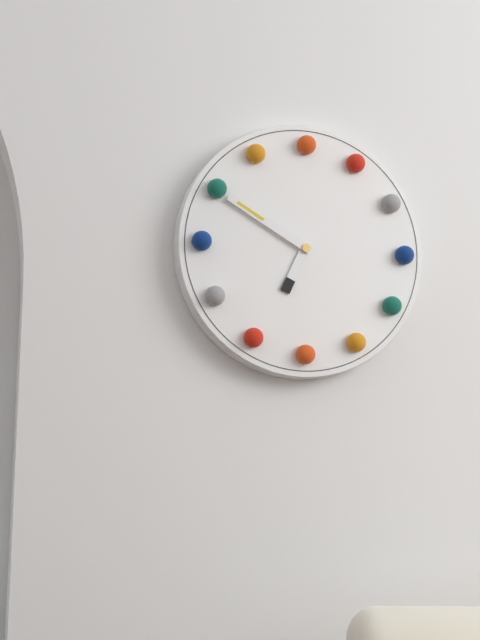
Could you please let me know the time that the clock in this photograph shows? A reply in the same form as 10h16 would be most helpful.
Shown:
6h50
